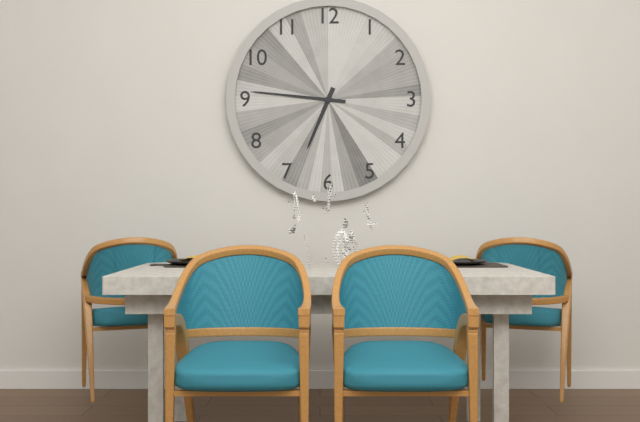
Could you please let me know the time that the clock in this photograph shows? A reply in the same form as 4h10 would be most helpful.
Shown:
6h46
